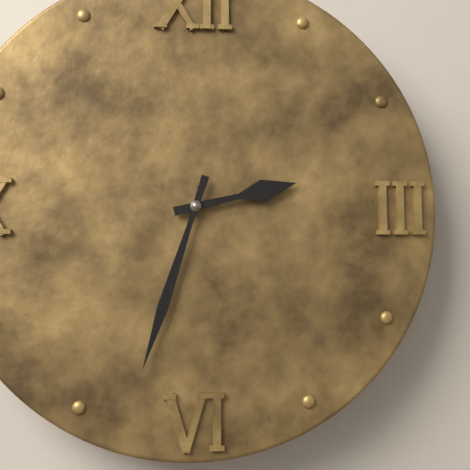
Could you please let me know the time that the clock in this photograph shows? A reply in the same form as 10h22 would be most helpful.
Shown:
2h33
